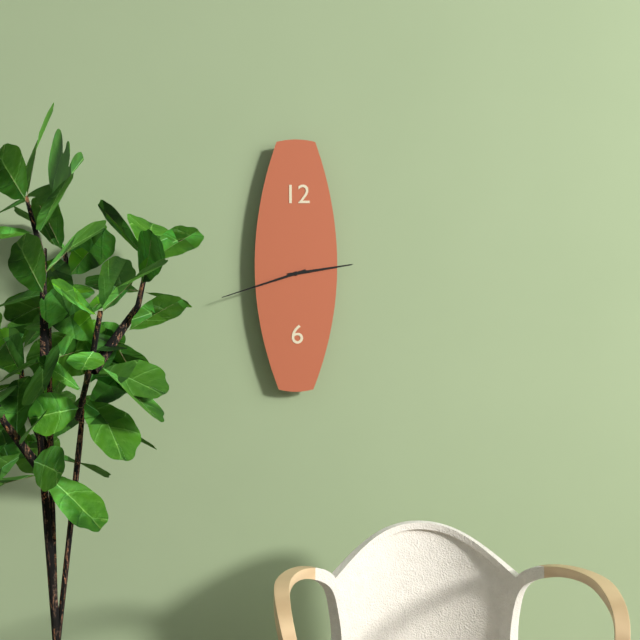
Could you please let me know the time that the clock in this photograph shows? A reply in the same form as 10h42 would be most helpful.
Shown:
2h42
